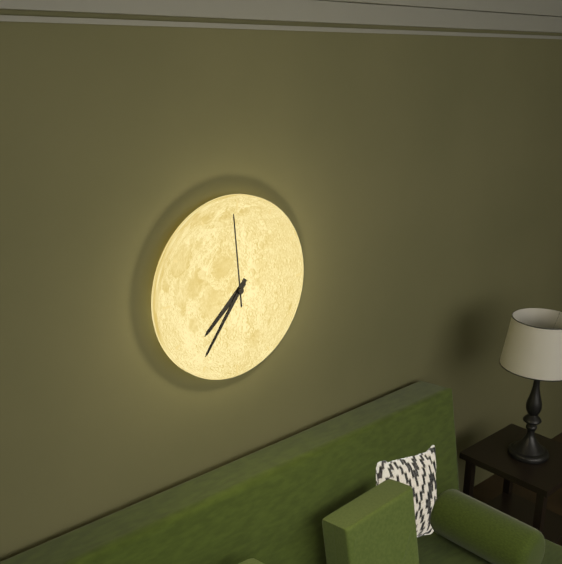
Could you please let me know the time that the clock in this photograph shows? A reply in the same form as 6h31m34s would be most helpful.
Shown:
7h36m59s
